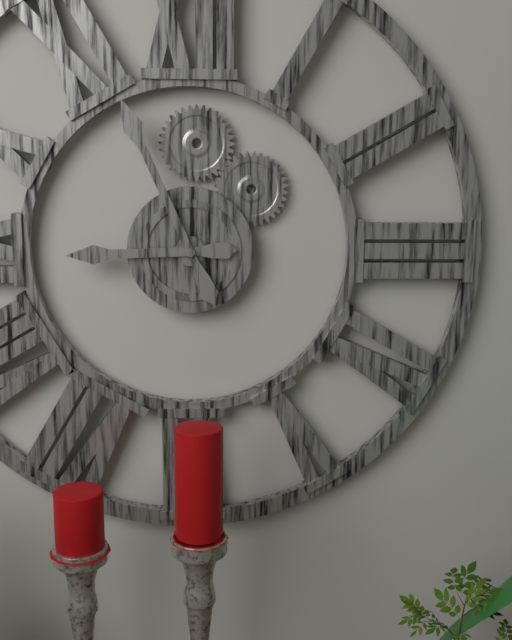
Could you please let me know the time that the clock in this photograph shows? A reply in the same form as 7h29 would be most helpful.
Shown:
8h56
